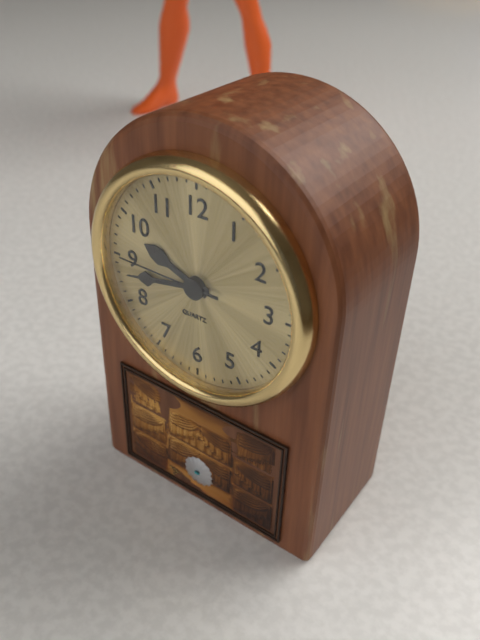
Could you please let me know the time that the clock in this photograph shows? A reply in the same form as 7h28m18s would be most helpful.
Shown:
9h43m45s
